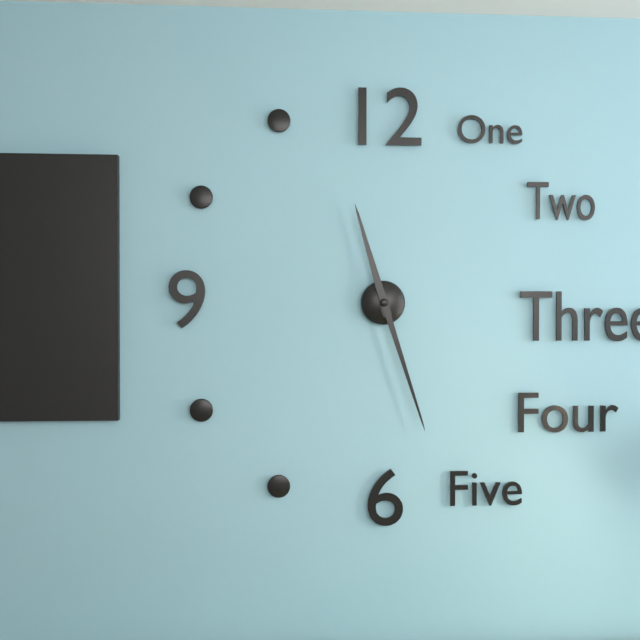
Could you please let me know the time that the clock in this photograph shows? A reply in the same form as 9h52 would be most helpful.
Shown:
11h27
